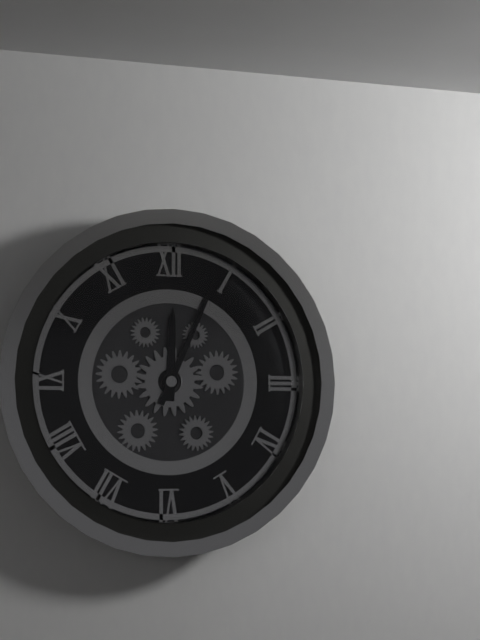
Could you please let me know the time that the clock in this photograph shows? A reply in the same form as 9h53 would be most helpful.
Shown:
12h04
